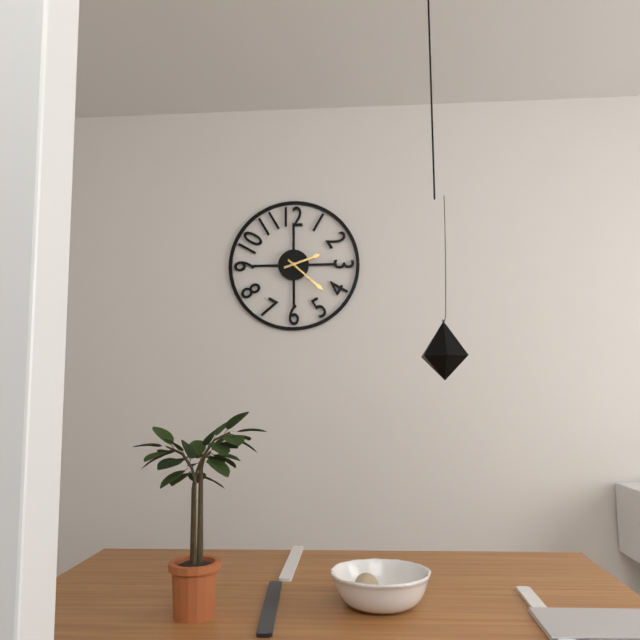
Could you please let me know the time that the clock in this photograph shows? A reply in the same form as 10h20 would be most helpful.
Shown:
2h22
